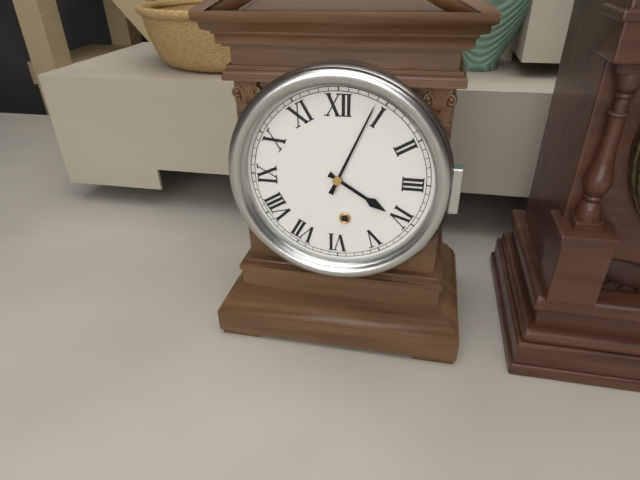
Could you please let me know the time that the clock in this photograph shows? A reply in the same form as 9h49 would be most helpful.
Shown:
4h04
